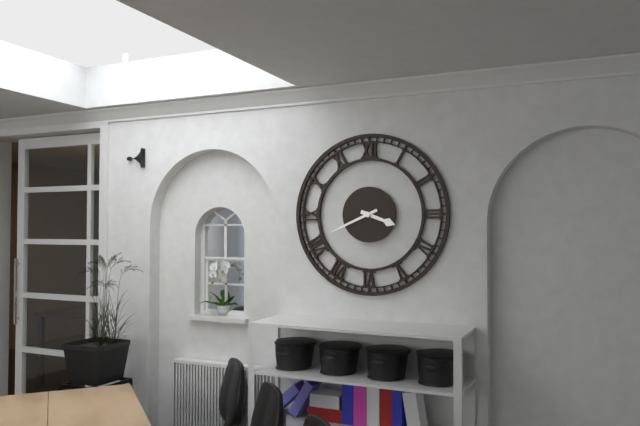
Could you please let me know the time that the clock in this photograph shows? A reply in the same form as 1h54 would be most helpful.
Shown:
3h41
